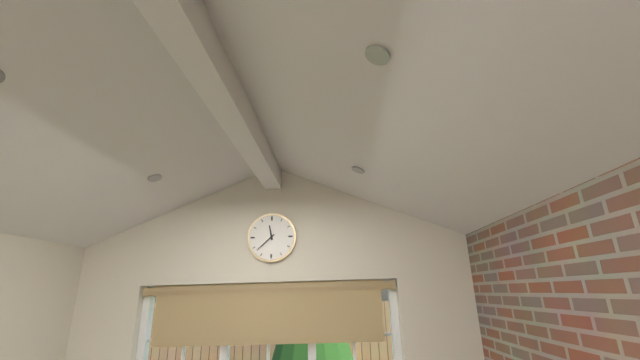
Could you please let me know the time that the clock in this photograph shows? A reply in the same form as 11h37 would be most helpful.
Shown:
11h38
